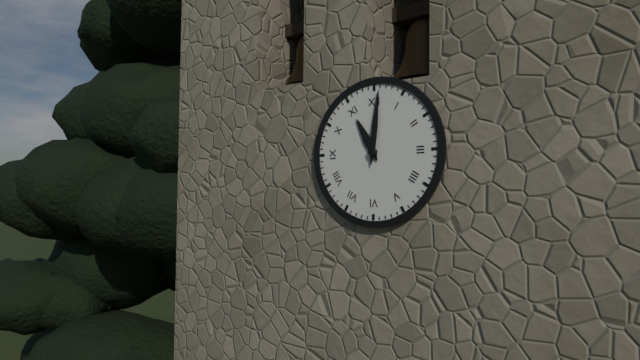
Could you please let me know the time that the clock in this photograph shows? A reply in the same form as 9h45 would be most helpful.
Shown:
11h01
